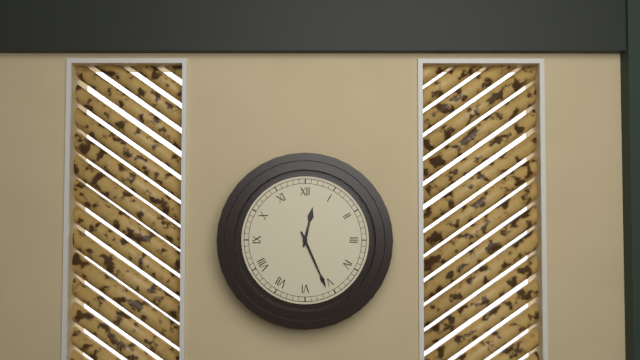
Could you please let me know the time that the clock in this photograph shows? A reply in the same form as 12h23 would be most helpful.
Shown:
12h26
